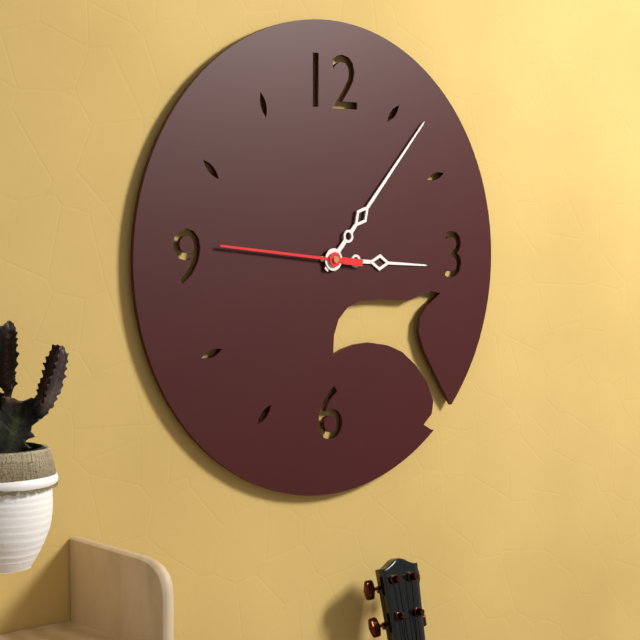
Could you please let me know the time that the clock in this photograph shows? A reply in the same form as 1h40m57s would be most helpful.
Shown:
3h07m46s
